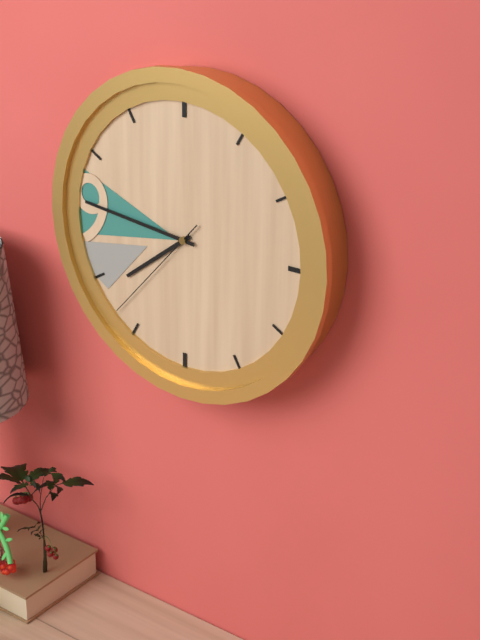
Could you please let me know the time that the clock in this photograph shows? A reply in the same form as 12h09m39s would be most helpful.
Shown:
7h46m37s
